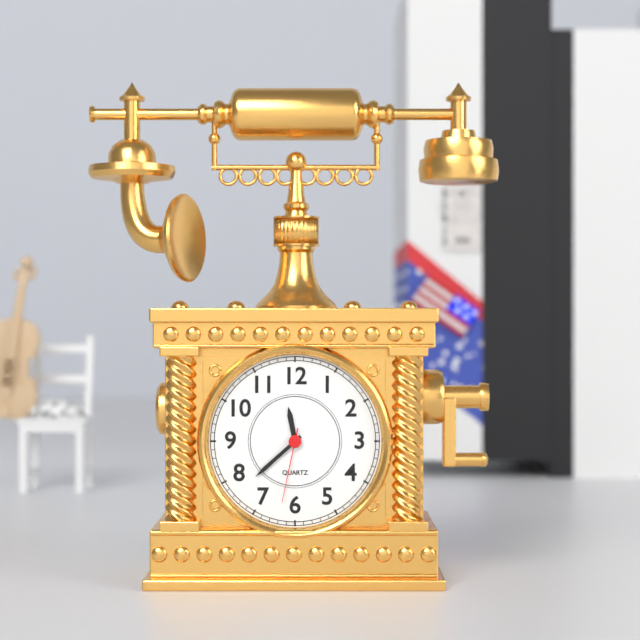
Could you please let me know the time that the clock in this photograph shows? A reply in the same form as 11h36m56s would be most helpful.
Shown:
11h38m32s
